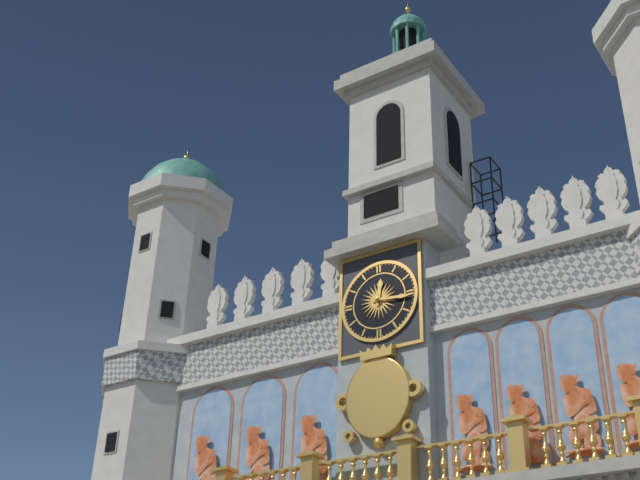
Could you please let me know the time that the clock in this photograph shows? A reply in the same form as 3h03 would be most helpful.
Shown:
12h16
